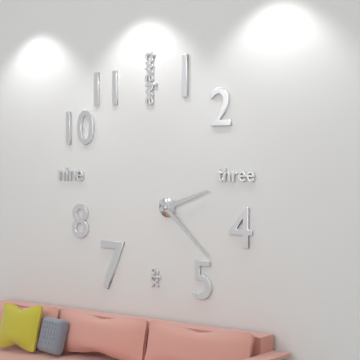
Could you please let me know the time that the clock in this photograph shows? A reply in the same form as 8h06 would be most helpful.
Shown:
2h22
